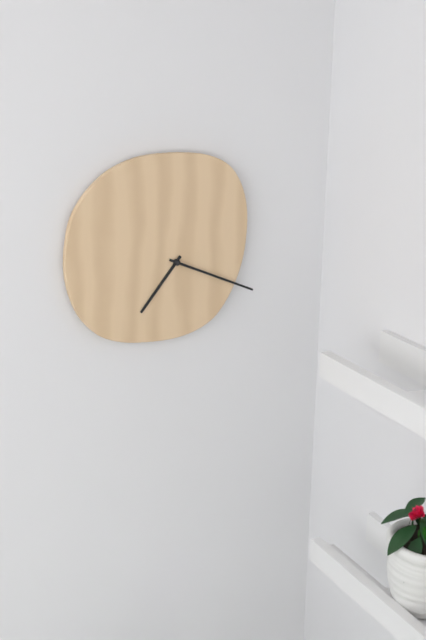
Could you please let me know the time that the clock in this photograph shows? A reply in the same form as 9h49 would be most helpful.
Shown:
7h19
